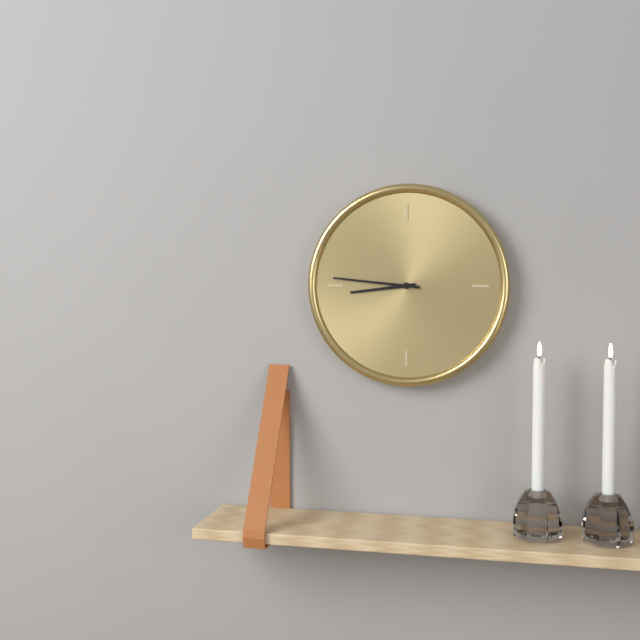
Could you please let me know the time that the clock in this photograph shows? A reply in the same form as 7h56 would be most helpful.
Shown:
8h46
